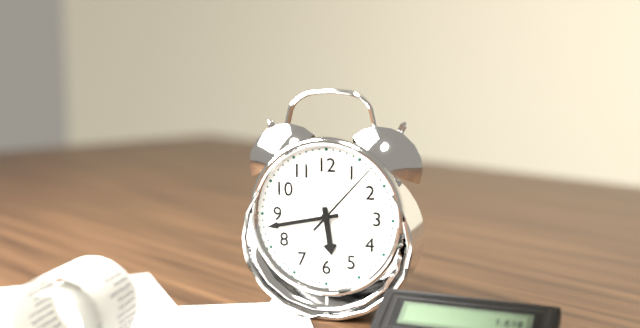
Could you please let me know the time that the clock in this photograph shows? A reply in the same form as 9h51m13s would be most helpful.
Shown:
5h43m07s
